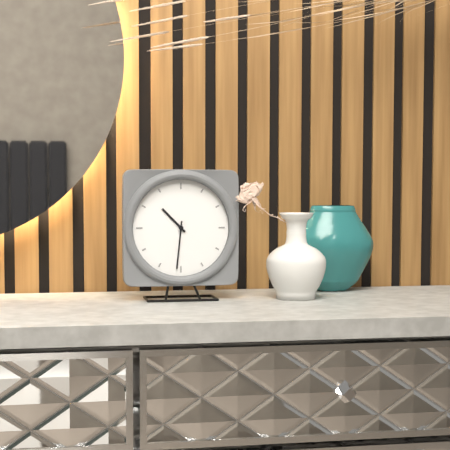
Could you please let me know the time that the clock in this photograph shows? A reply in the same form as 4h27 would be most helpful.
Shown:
10h31
